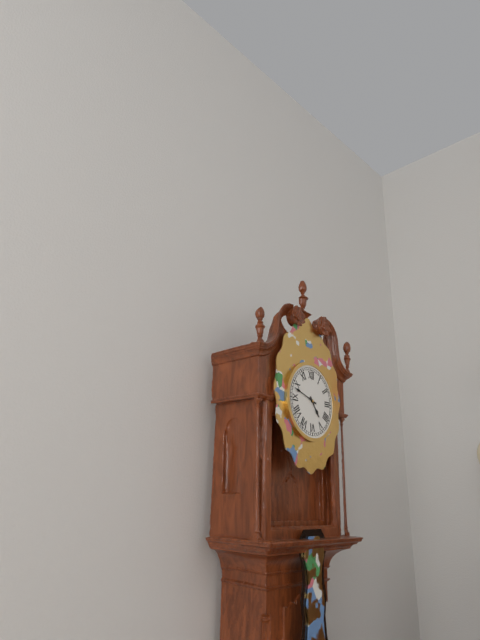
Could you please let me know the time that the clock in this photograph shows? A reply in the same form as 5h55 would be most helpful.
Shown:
4h48
